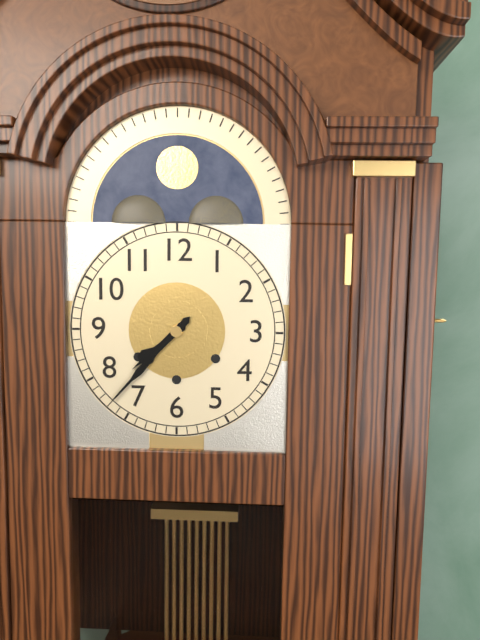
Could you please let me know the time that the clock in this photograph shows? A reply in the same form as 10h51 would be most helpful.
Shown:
7h37
